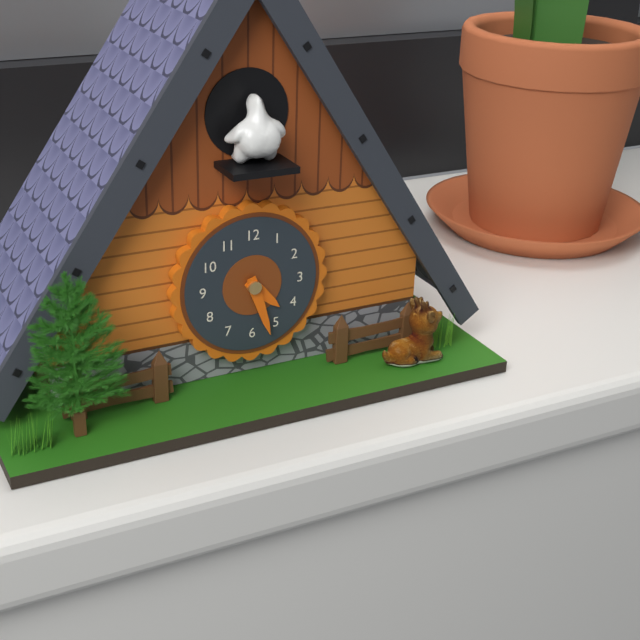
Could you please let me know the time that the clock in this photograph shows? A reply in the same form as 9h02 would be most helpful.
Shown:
4h27
